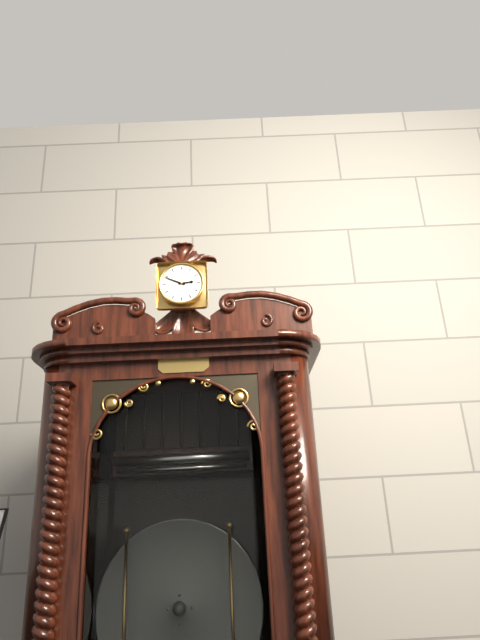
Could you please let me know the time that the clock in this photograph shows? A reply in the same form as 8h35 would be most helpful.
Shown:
2h49
